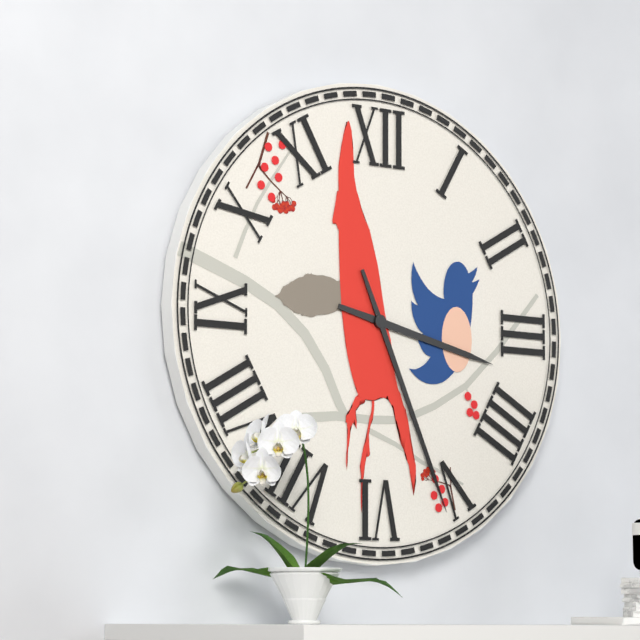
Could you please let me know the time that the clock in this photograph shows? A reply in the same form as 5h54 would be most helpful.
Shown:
3h26
